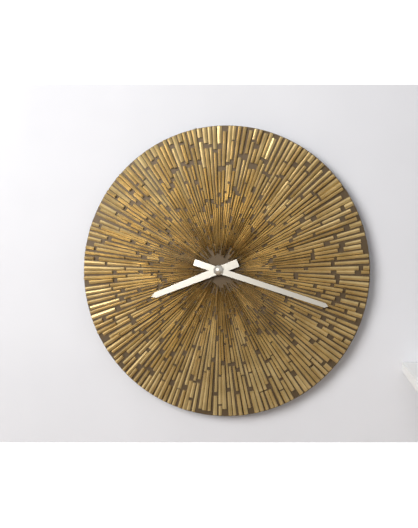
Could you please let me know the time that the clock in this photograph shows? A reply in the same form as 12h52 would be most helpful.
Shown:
8h18
